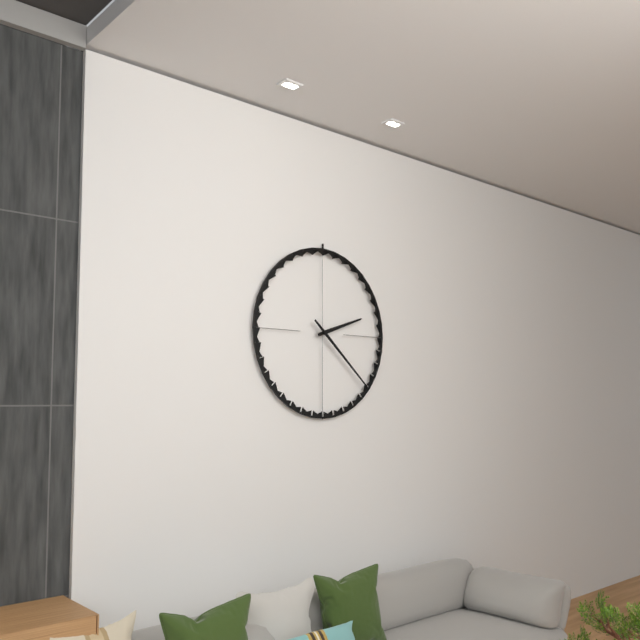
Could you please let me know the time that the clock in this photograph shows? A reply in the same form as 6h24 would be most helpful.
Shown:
2h22
